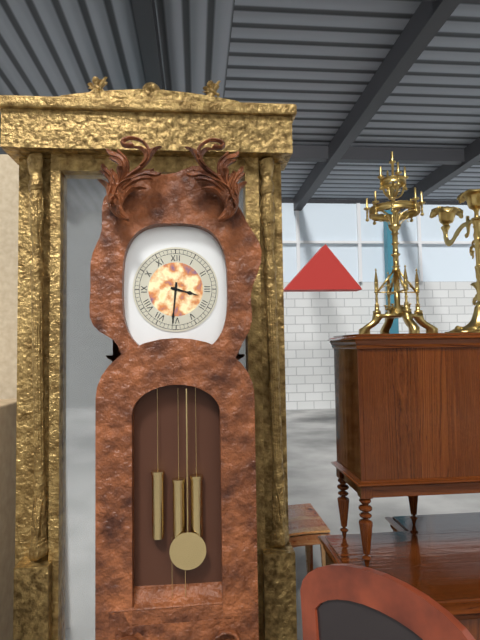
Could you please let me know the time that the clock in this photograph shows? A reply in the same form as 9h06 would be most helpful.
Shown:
3h31
